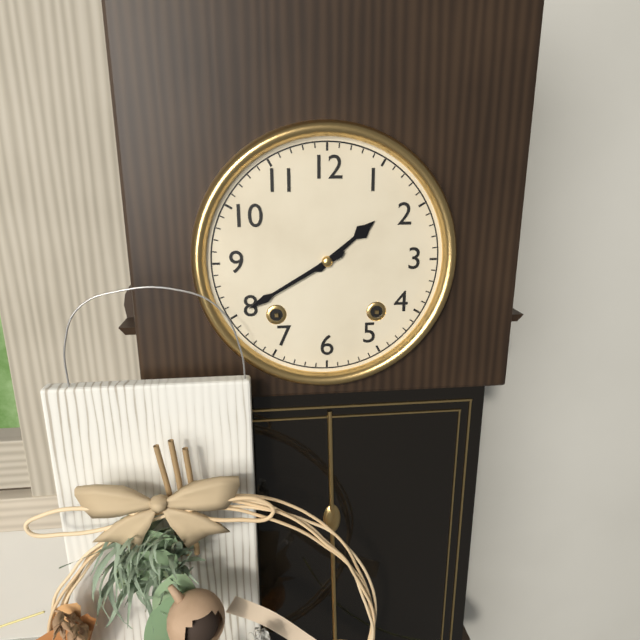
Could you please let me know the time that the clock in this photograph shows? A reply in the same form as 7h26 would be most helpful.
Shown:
1h40
